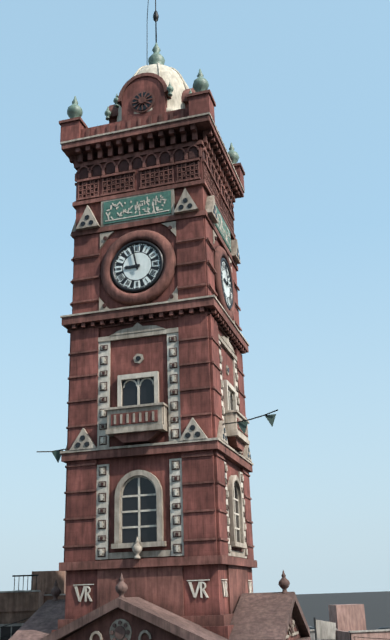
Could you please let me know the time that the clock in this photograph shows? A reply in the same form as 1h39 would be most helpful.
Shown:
8h58
